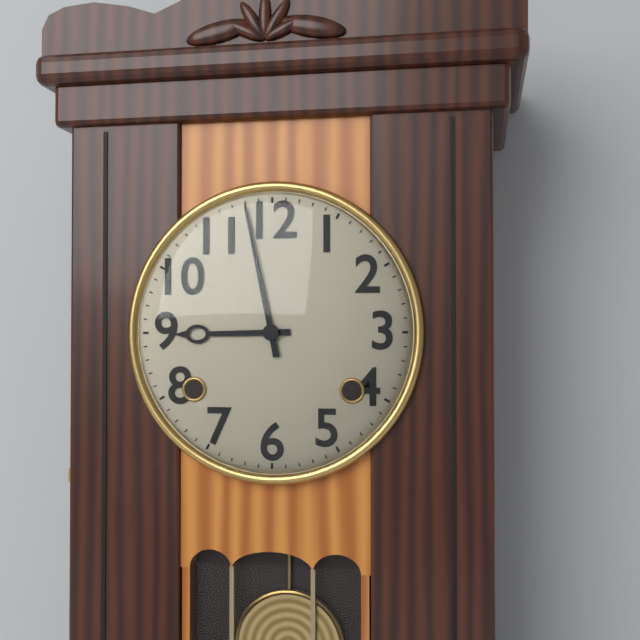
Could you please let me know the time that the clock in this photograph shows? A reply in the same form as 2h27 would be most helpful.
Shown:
8h58
